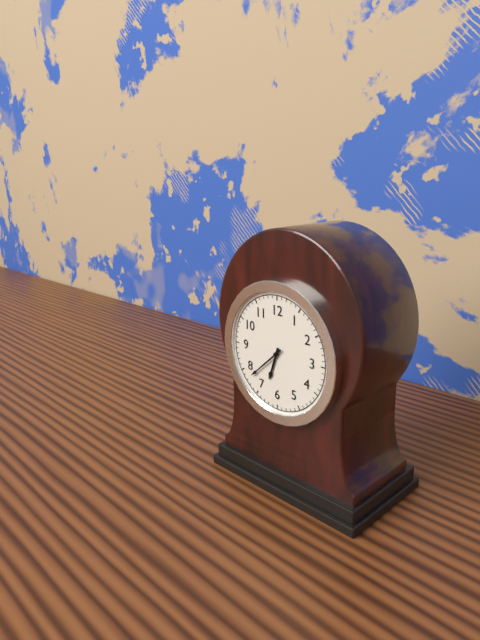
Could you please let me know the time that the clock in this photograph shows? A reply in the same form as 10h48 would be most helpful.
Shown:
6h38
